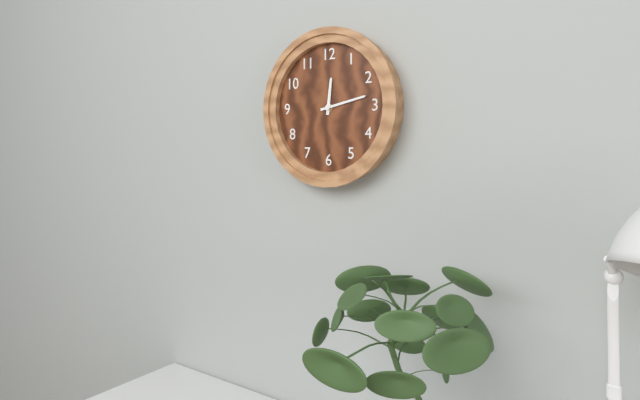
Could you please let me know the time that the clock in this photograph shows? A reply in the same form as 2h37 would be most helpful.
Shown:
12h13
